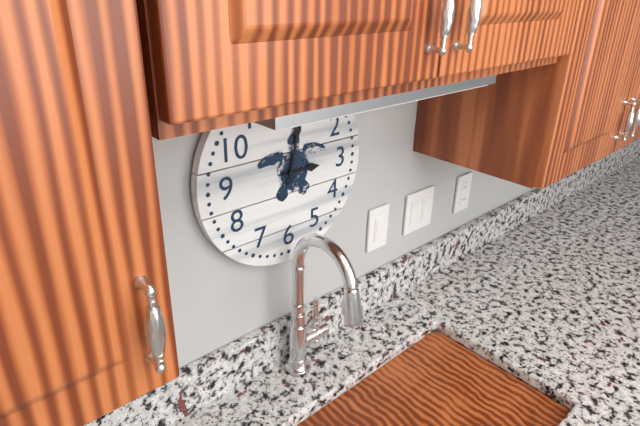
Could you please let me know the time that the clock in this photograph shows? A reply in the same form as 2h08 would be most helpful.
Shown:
3h02
